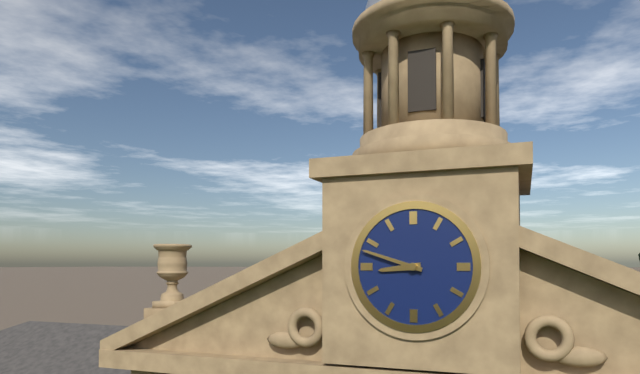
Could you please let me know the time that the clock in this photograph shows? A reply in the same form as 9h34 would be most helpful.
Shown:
8h48
